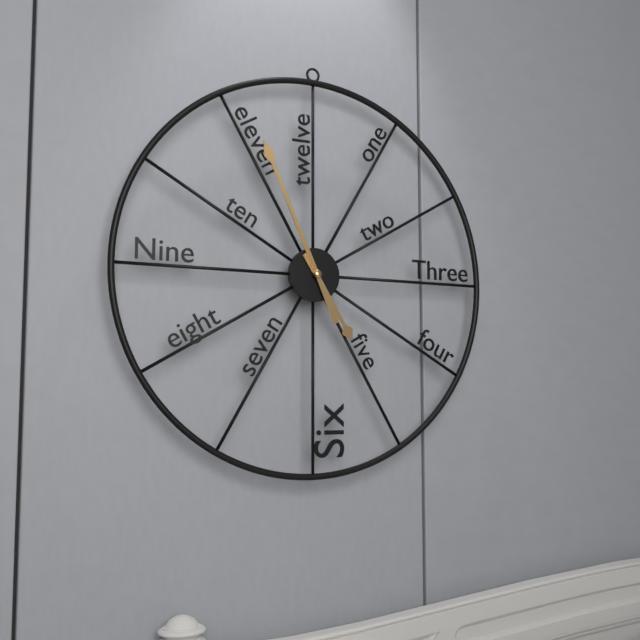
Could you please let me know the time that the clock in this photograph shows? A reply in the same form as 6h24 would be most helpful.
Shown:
4h56
